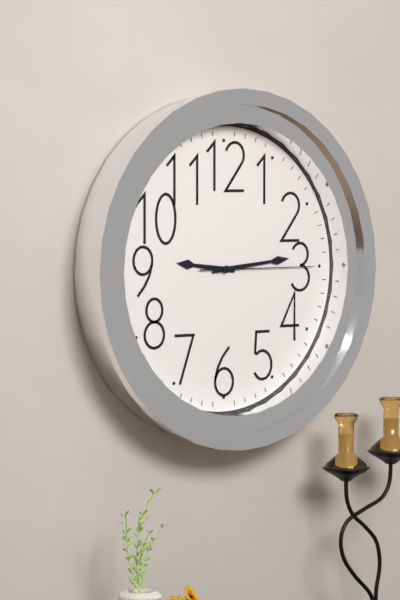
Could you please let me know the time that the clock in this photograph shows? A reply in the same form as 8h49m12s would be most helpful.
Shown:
9h14m15s
